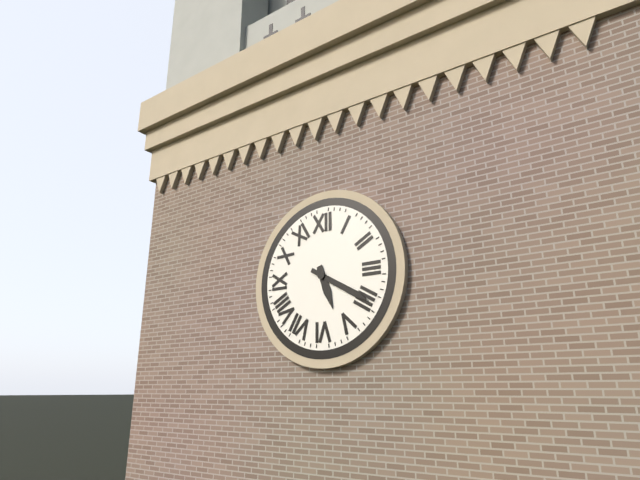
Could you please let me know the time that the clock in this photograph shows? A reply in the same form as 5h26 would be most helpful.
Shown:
5h20
